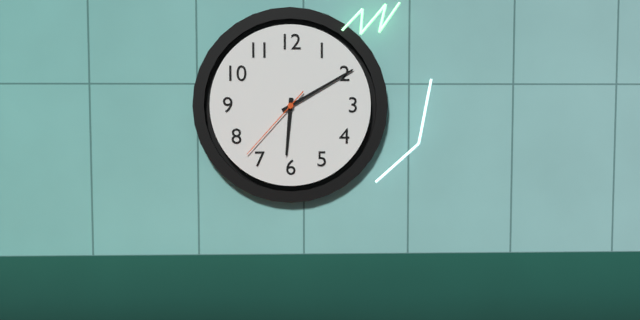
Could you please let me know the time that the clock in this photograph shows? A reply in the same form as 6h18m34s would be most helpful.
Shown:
6h10m37s
